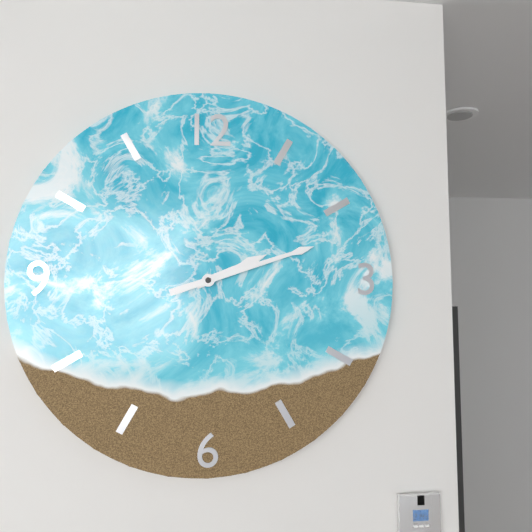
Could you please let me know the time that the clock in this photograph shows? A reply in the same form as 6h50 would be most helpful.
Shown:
2h12
